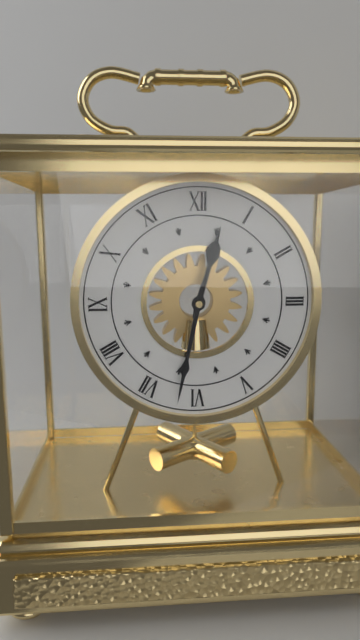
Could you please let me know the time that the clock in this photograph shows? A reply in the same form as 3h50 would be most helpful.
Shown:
12h32
